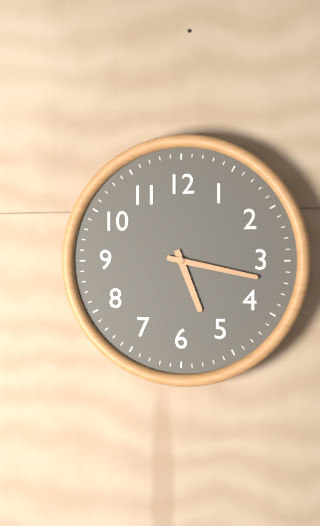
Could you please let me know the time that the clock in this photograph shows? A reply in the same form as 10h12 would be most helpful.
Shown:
5h17
